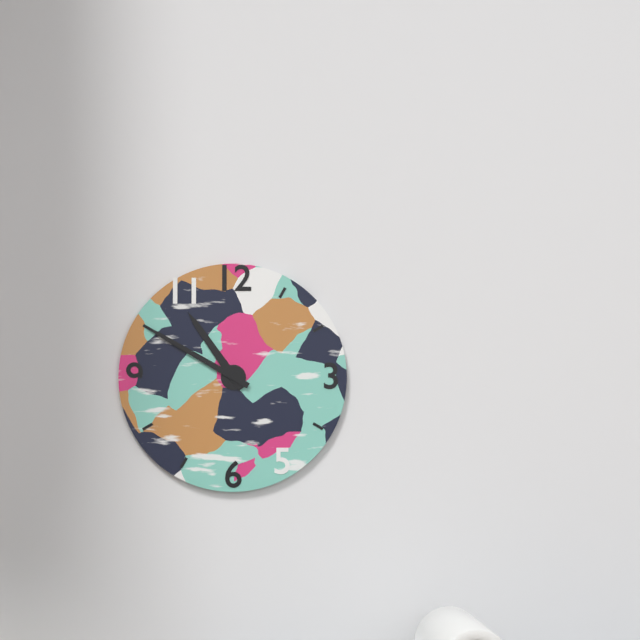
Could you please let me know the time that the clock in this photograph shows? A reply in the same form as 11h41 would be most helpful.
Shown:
10h50
